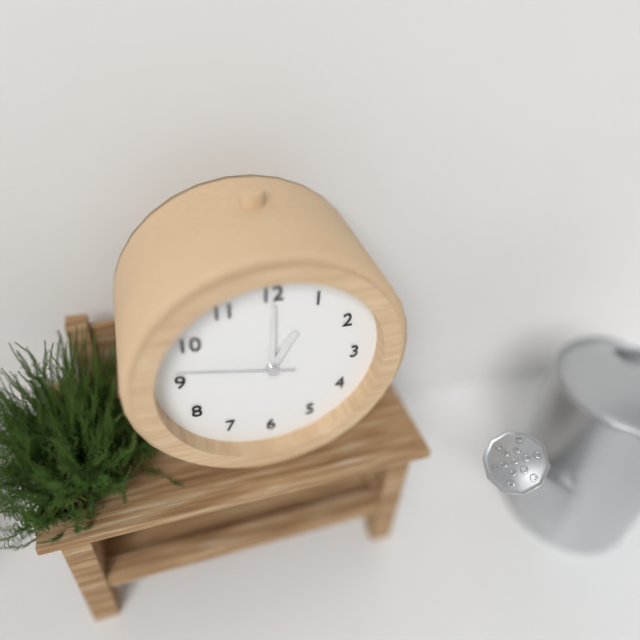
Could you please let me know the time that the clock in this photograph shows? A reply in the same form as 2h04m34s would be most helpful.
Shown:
1h00m47s
